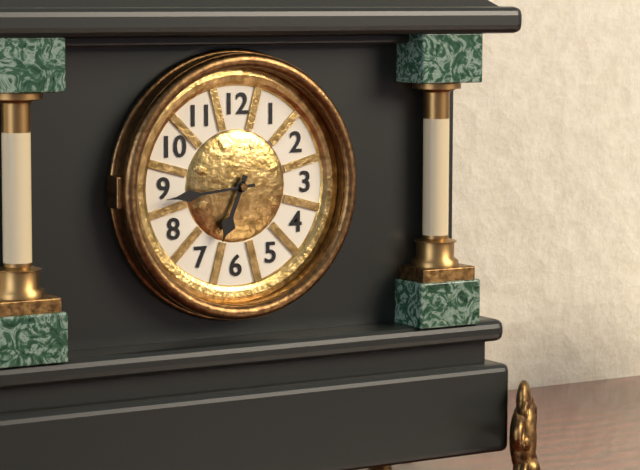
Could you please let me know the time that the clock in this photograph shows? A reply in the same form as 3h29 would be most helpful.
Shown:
6h44
